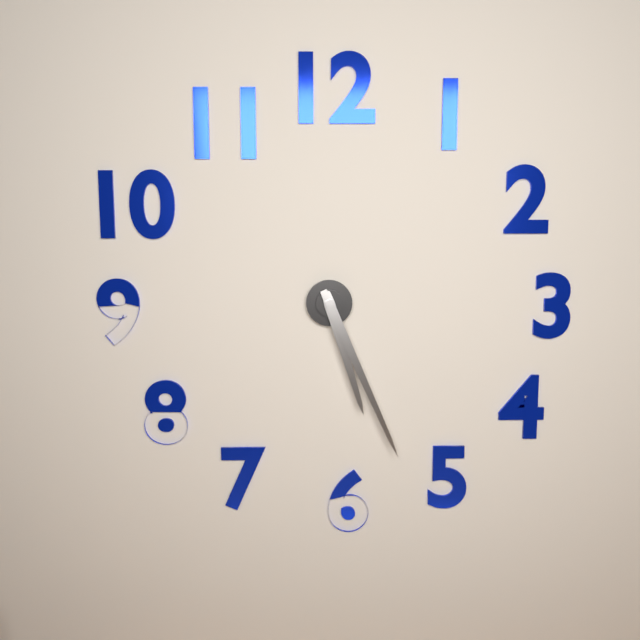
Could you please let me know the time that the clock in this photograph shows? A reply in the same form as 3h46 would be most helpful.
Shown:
5h26
